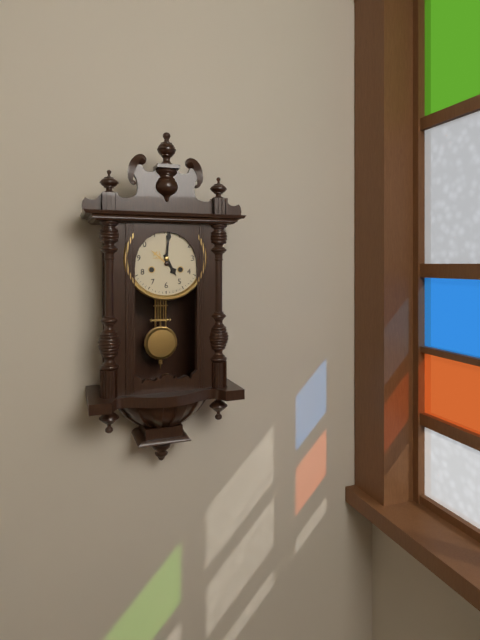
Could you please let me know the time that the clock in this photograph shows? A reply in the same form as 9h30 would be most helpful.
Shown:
5h01
